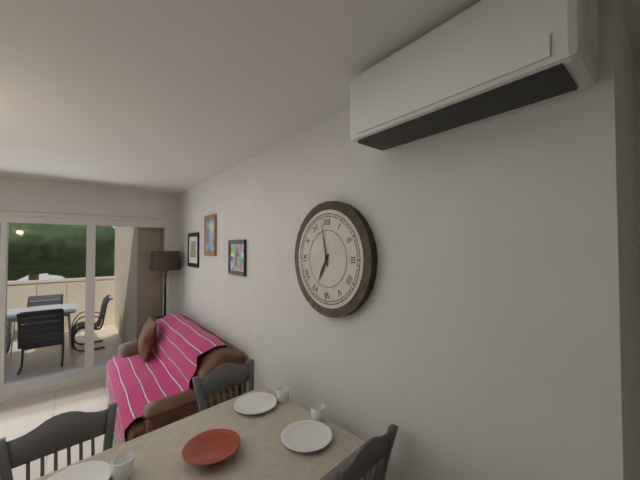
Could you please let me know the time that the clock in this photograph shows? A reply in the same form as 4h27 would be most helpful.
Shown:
6h58
